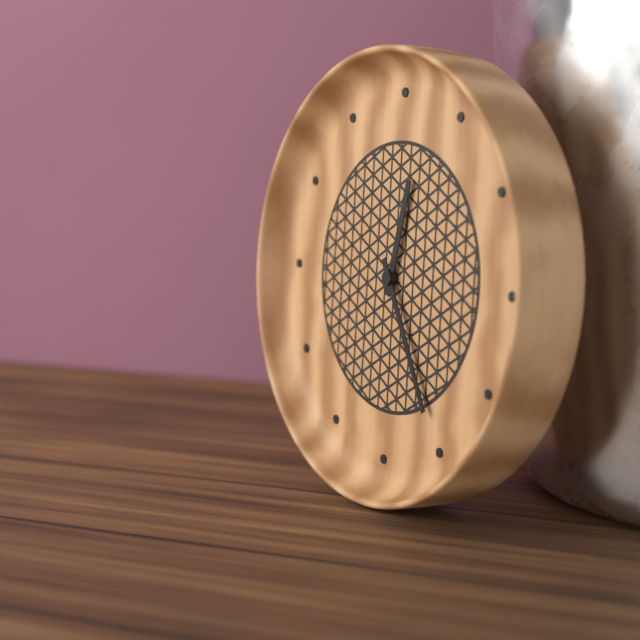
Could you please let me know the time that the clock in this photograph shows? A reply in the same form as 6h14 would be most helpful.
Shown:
12h25
